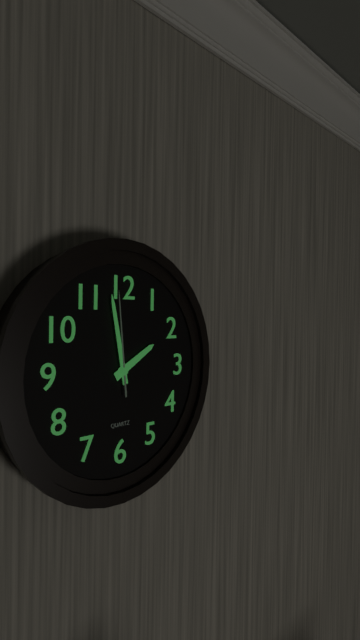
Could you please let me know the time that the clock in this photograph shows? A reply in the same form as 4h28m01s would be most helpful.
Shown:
1h58m59s
